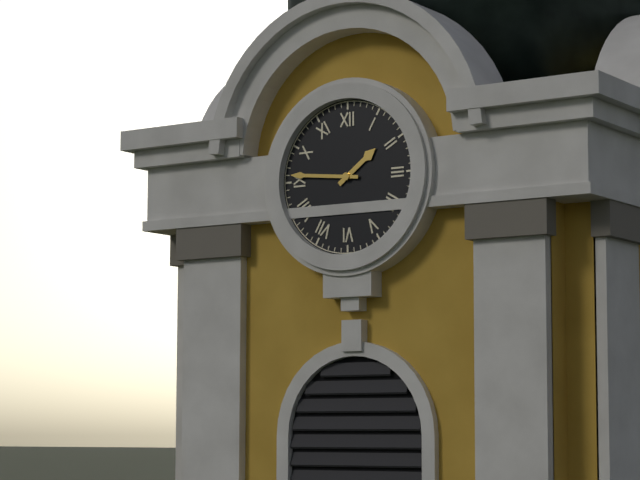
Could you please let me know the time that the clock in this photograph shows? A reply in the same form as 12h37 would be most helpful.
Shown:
1h46
